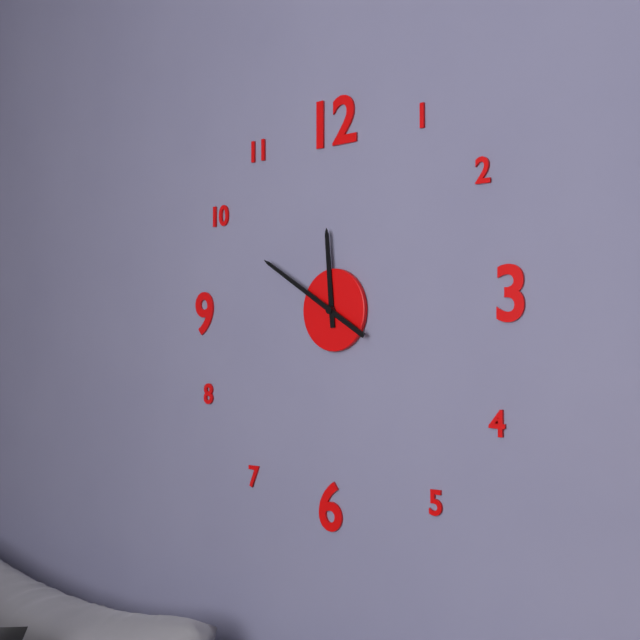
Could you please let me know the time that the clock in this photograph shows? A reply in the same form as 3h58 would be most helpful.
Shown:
11h50
